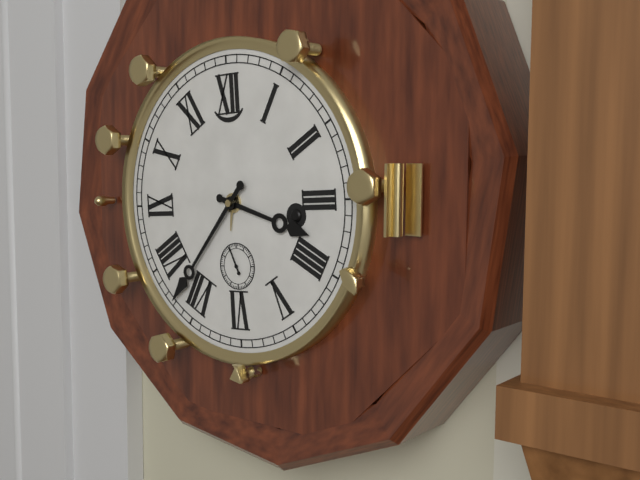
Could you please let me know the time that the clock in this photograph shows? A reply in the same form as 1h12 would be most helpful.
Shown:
3h37
